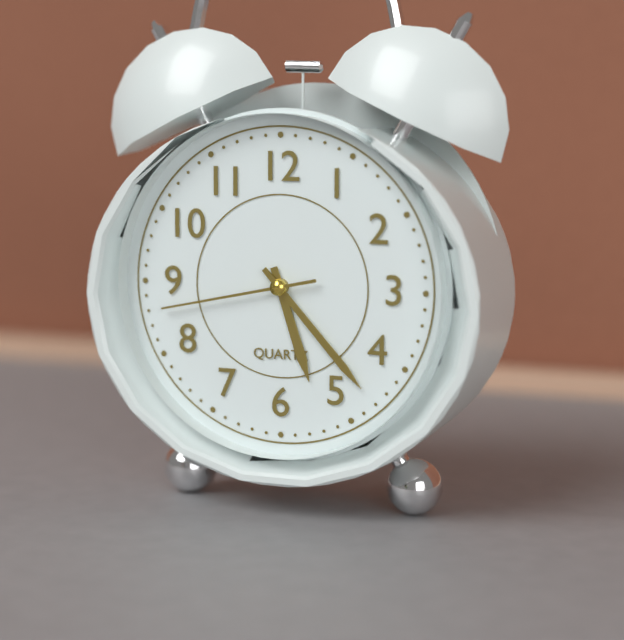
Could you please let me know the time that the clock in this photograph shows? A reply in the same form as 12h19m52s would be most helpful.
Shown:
5h23m43s
